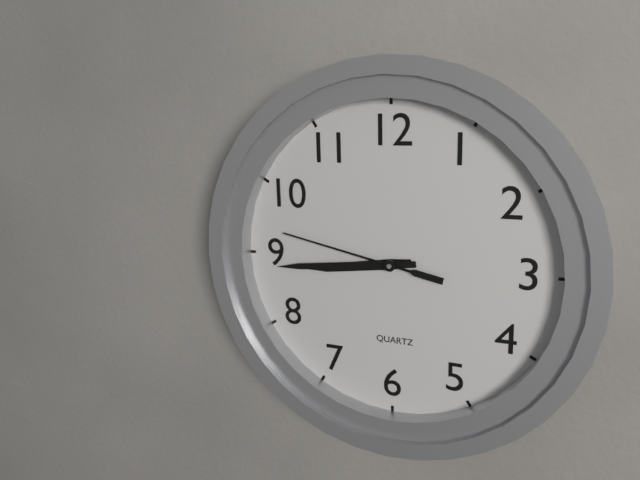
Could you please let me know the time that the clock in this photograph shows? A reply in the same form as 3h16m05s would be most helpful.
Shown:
8h44m47s
